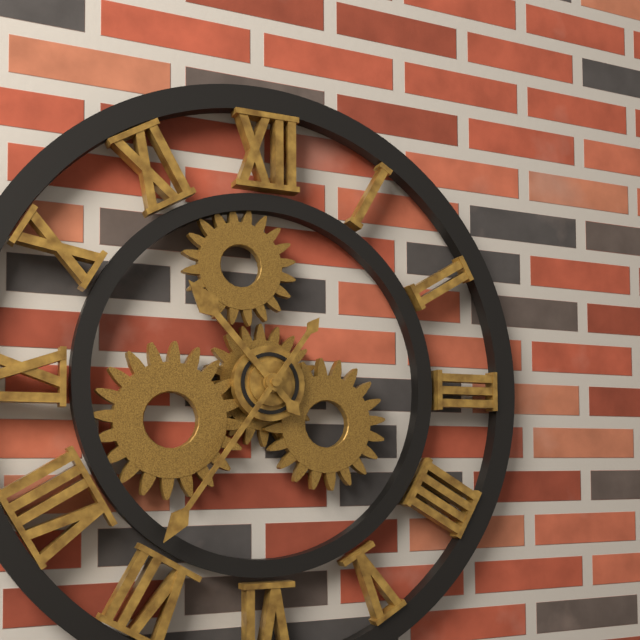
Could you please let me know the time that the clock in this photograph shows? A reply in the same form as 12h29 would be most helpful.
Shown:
10h36
